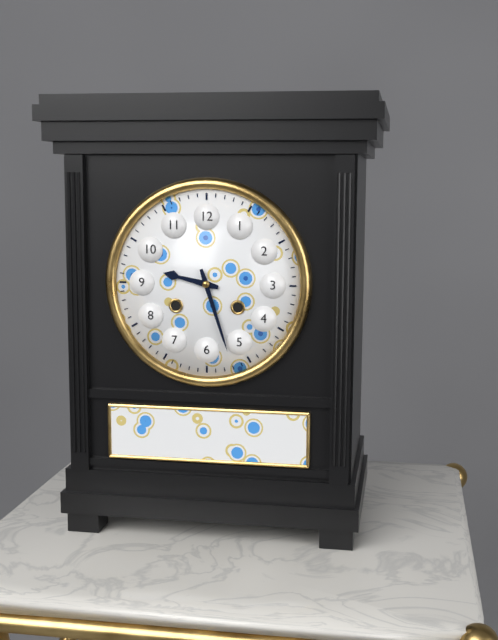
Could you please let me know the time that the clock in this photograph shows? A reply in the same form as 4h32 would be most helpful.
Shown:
9h27
